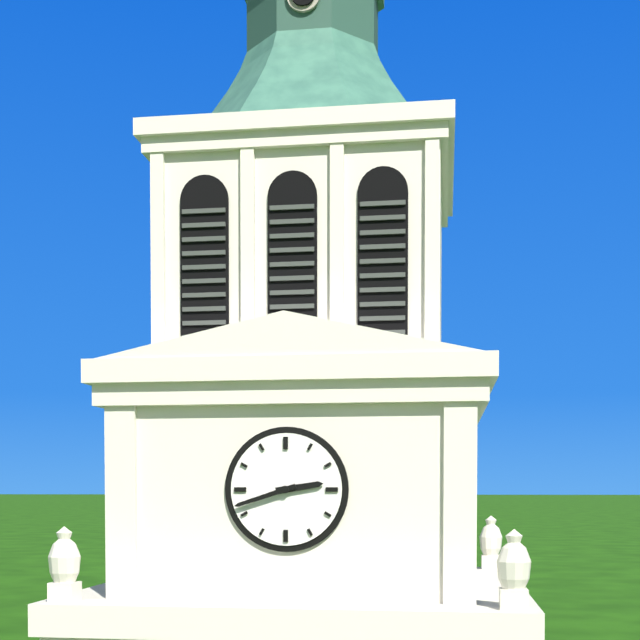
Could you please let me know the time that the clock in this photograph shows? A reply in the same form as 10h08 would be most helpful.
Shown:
2h42
